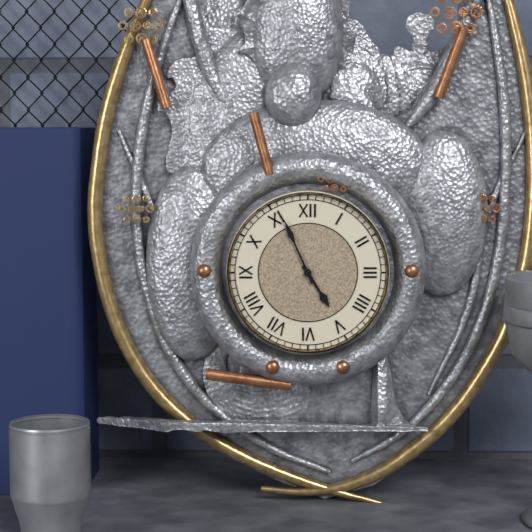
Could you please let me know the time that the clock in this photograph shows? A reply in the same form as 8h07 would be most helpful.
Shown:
4h56
